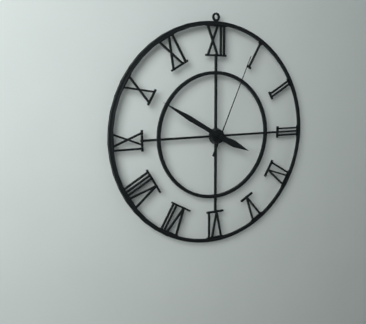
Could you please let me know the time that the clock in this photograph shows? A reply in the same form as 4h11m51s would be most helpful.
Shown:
3h50m04s
